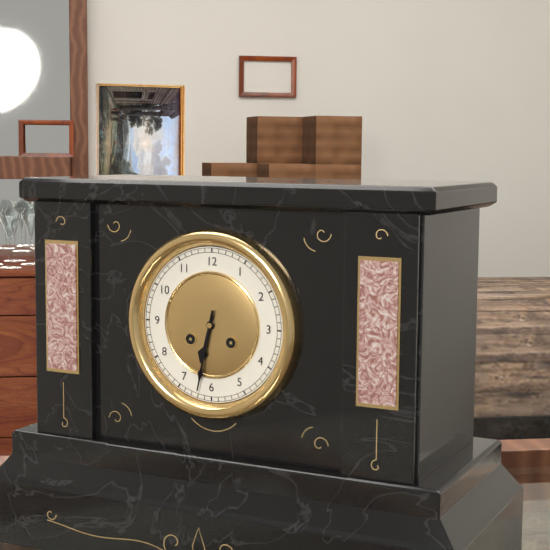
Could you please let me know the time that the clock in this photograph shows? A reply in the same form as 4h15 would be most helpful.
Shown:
6h32
